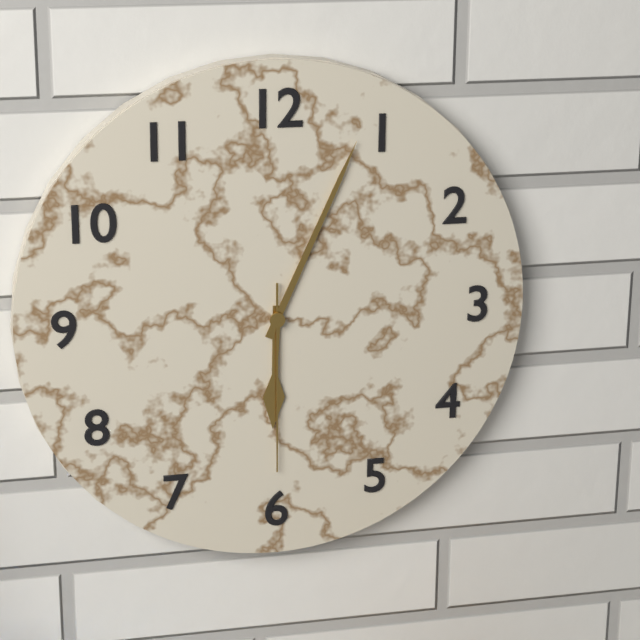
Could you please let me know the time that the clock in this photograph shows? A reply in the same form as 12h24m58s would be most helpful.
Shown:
6h04m30s
